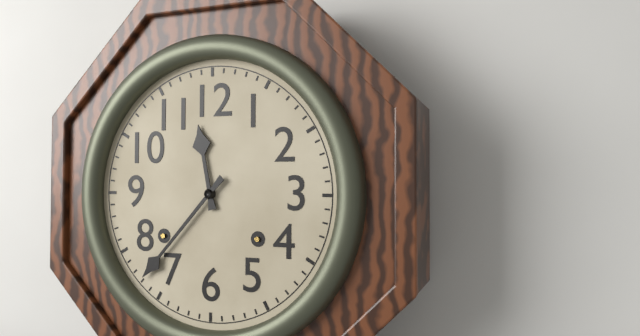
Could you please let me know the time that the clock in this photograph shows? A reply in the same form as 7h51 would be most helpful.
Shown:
11h37
